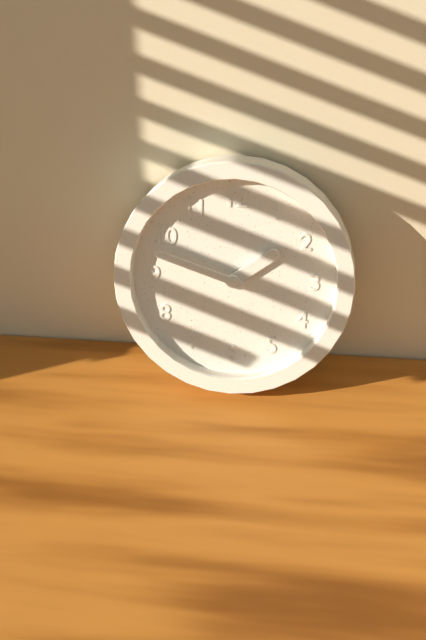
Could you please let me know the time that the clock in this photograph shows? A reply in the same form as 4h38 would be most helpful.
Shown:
1h48
